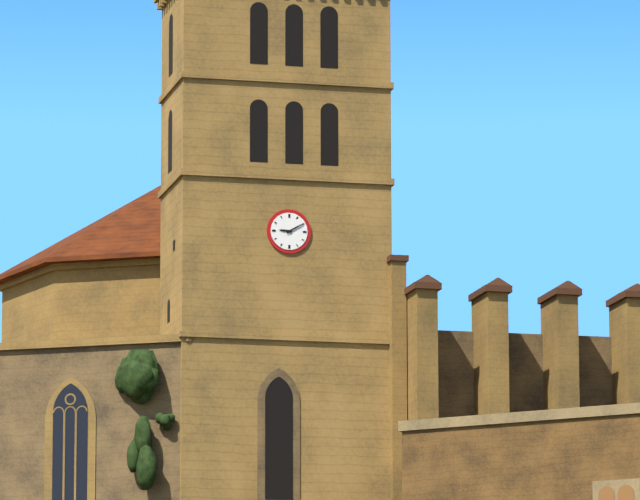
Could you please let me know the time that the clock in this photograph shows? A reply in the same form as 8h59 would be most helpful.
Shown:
9h10
